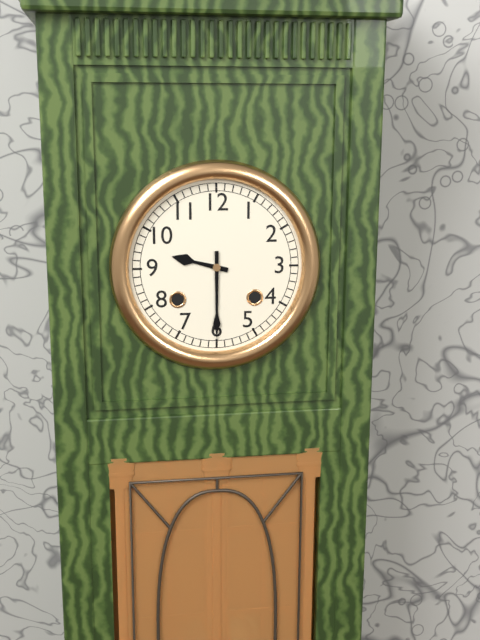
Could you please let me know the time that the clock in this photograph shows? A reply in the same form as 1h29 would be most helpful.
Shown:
9h30
